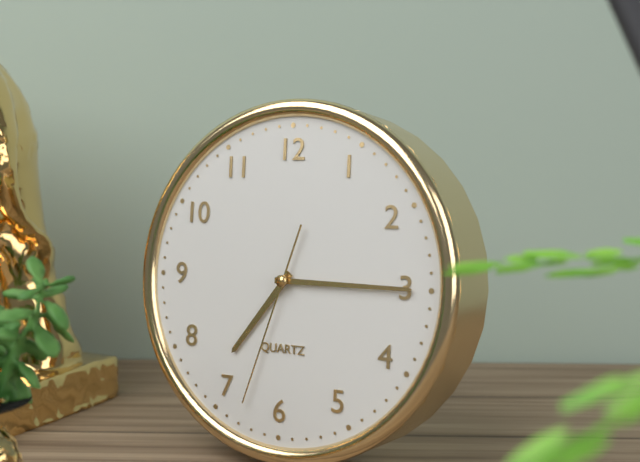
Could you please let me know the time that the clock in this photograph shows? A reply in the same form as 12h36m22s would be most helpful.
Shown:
7h15m33s
